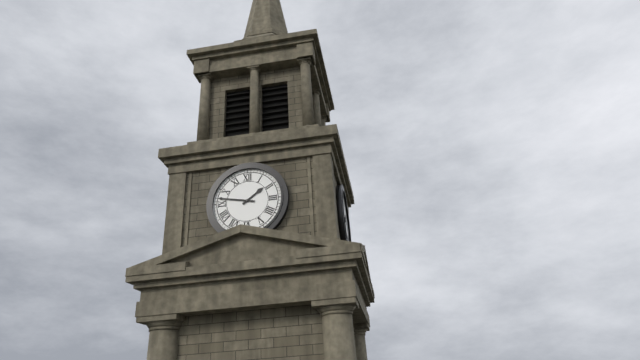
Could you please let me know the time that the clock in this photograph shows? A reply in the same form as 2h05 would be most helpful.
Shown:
1h47
